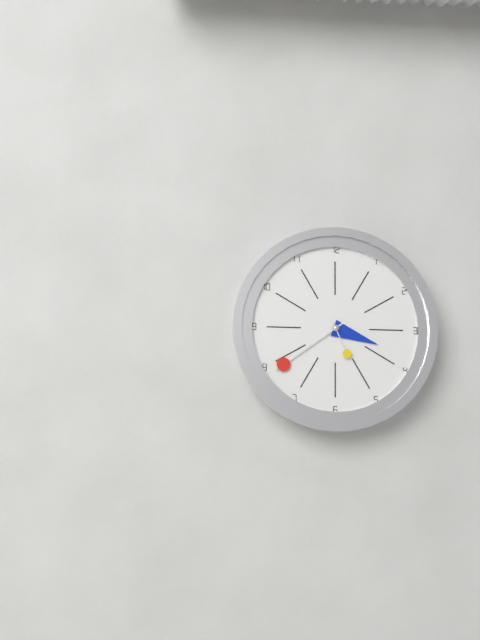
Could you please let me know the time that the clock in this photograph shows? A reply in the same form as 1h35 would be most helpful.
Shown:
3h39
